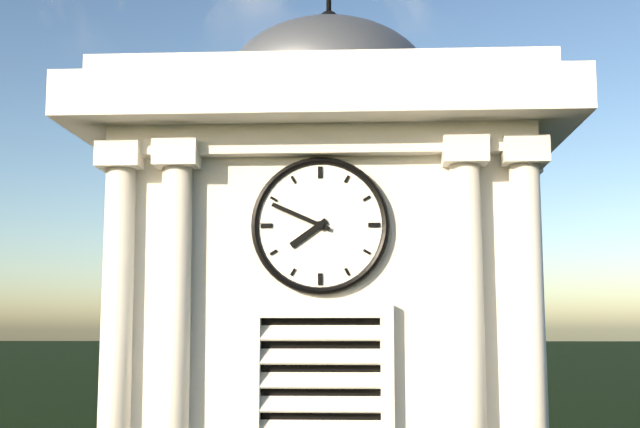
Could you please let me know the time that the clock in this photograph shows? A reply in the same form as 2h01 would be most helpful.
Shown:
7h49
